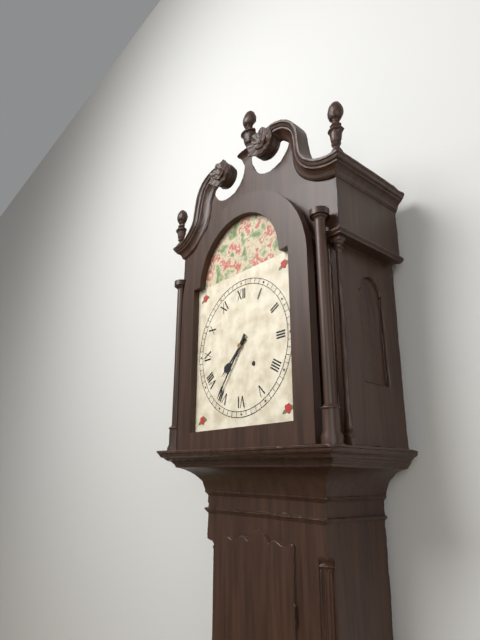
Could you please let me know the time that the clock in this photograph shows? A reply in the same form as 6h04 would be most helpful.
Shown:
7h36
